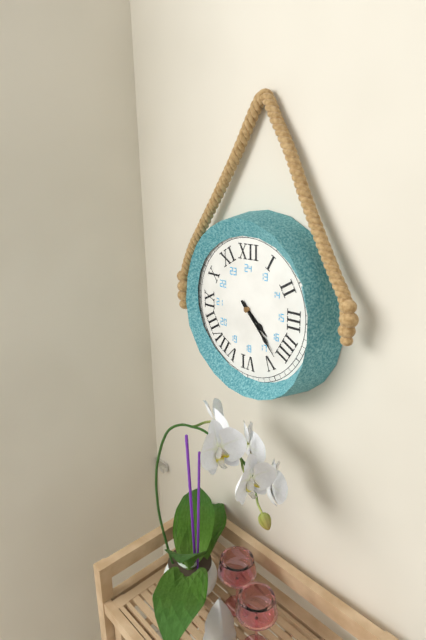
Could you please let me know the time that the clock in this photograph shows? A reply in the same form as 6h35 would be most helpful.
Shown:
4h23
